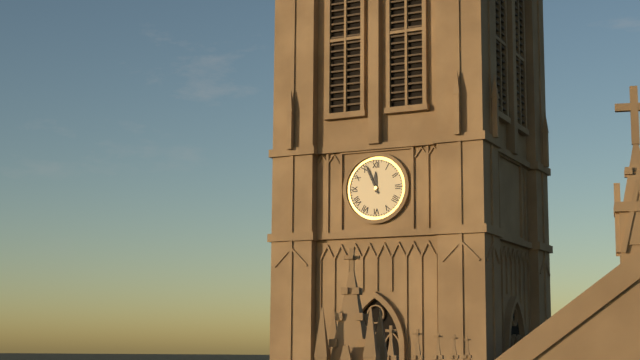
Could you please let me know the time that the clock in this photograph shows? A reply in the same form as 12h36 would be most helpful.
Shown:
11h56
